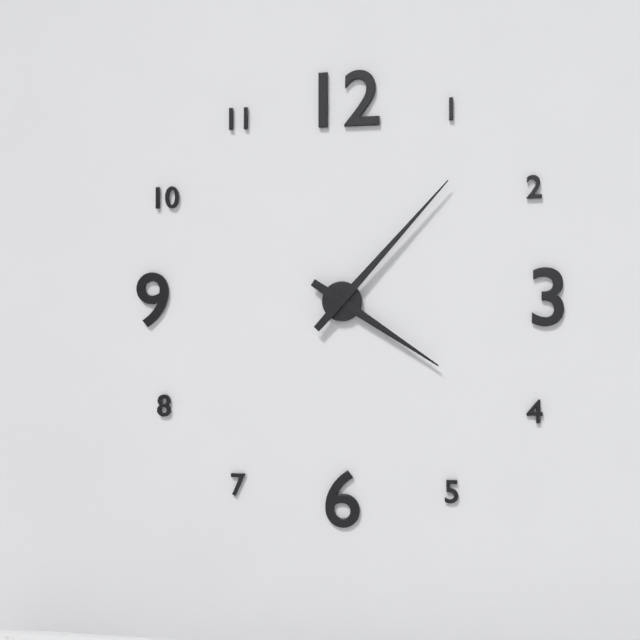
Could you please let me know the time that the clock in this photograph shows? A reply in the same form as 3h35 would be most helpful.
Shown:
4h07
